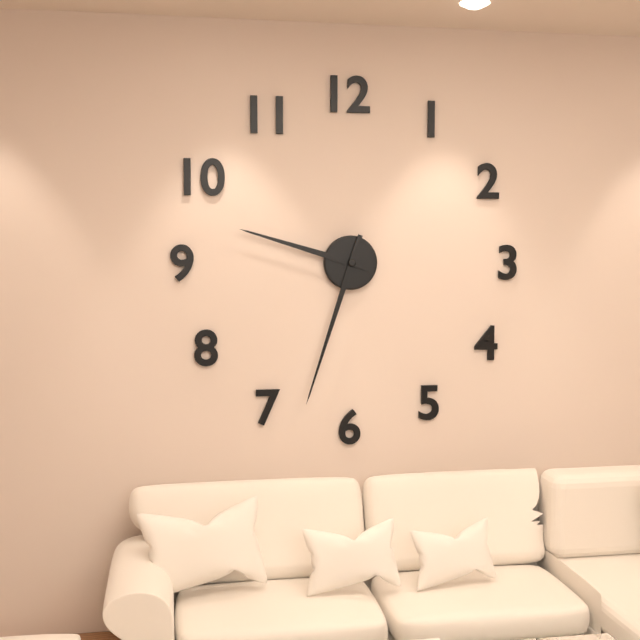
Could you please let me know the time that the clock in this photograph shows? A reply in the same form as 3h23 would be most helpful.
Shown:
9h33
